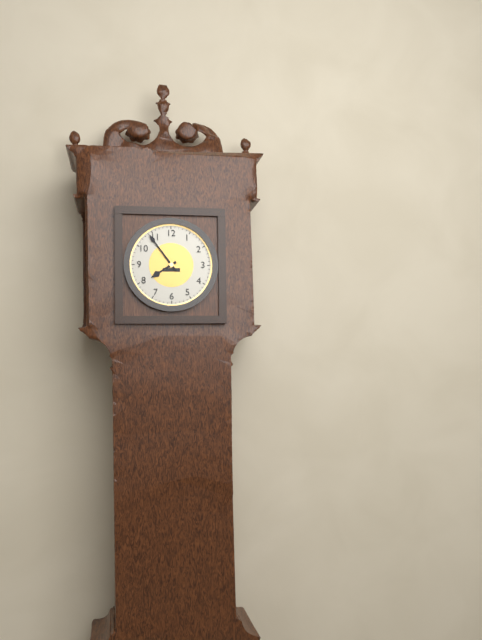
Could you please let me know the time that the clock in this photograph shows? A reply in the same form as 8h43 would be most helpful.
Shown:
7h54
